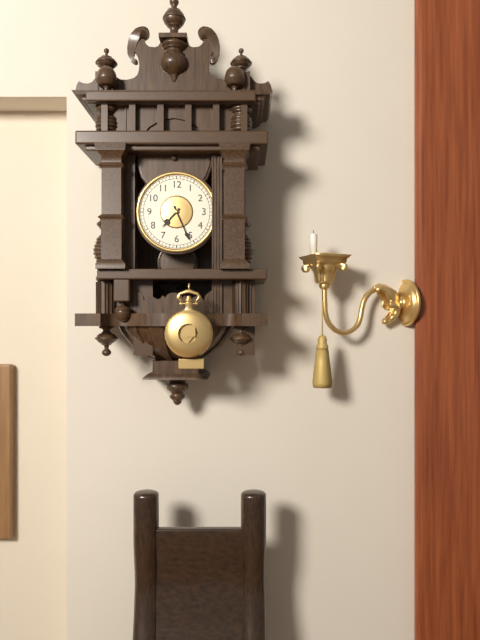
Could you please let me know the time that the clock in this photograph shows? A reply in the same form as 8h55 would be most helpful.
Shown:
7h26
